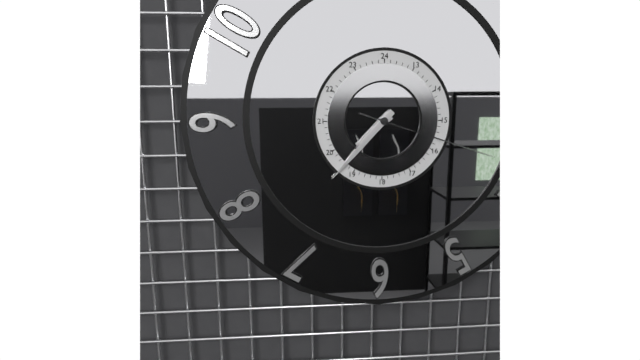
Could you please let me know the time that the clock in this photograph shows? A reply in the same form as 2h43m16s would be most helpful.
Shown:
7h37m18s
